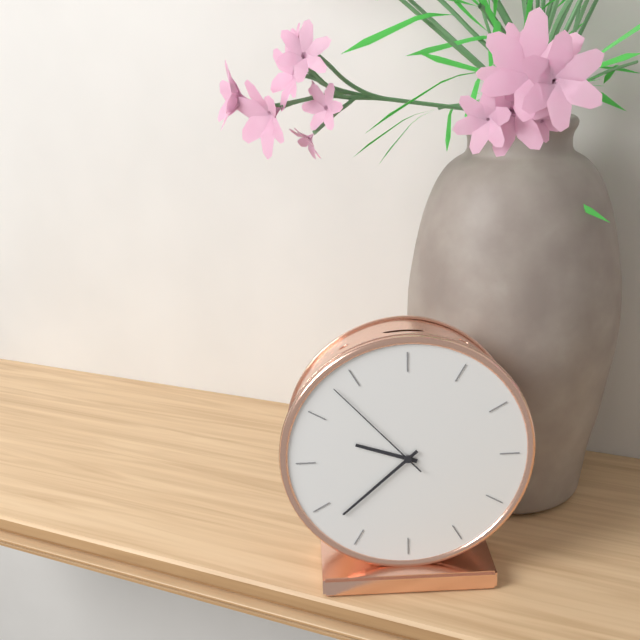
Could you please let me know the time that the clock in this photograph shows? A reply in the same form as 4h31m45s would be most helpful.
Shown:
9h38m53s
